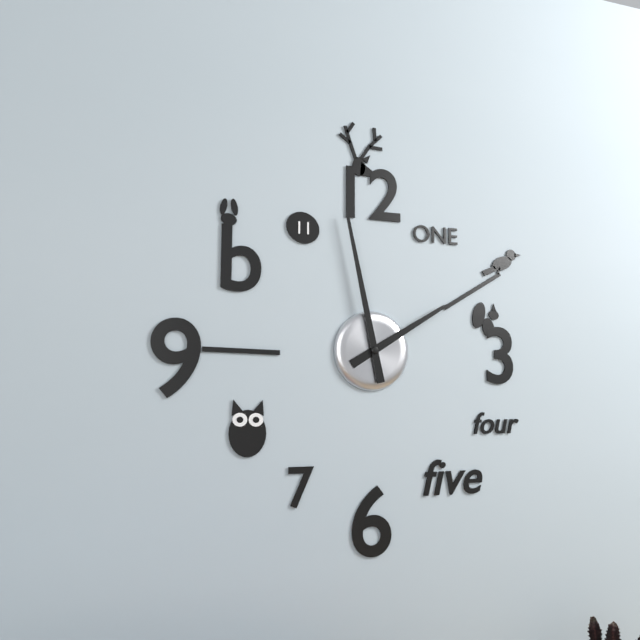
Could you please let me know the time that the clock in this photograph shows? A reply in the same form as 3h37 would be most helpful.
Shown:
1h58
